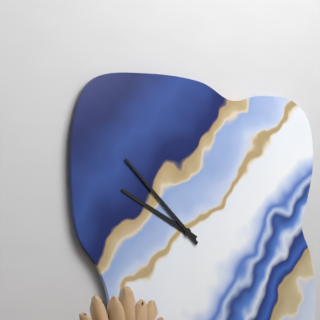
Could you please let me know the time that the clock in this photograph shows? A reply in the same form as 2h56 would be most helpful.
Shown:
9h52
